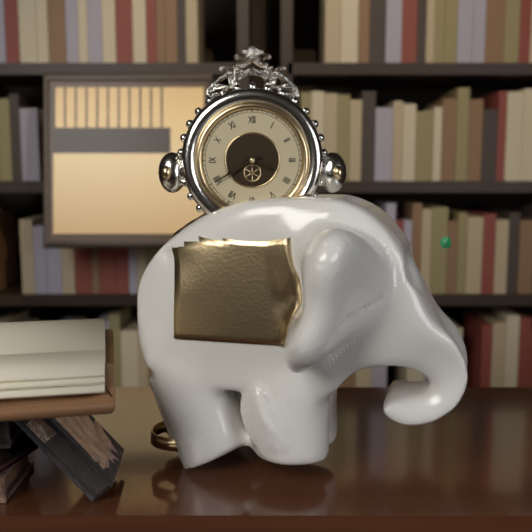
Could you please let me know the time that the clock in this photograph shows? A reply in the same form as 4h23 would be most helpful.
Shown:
3h40
